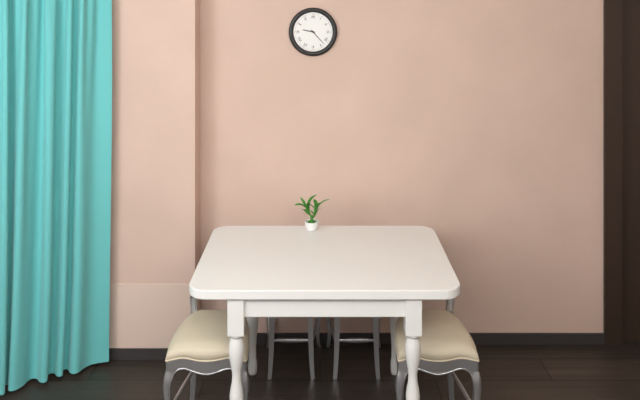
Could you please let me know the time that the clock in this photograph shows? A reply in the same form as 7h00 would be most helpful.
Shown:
9h23
